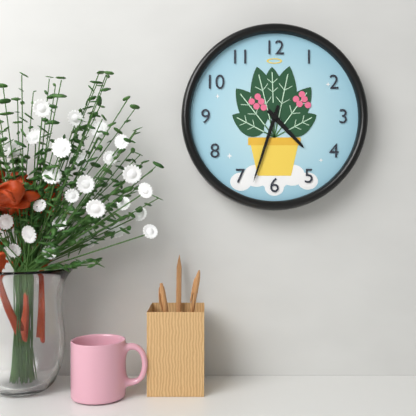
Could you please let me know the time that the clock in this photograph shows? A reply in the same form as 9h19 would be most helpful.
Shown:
4h33
